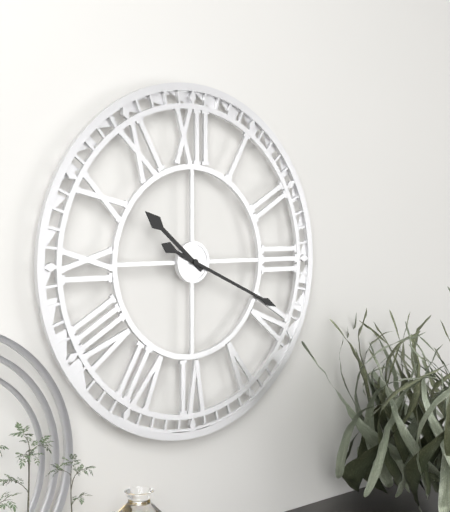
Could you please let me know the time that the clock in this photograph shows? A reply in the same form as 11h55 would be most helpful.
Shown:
10h19
